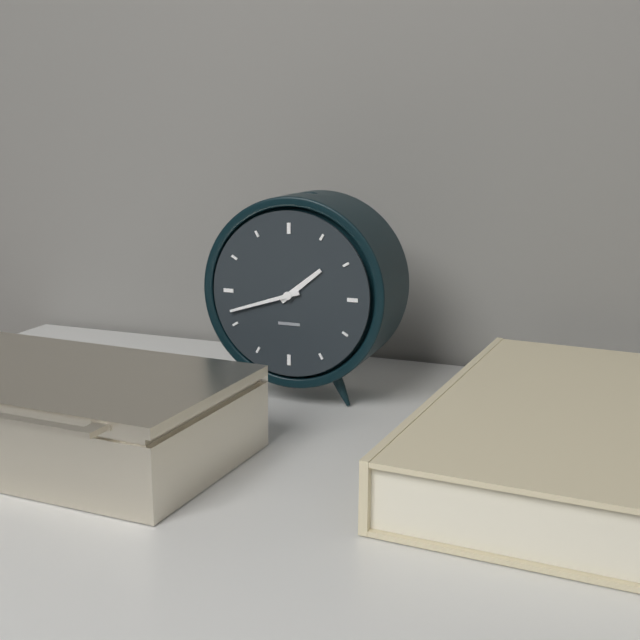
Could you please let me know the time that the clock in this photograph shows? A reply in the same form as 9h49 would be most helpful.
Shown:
1h42
